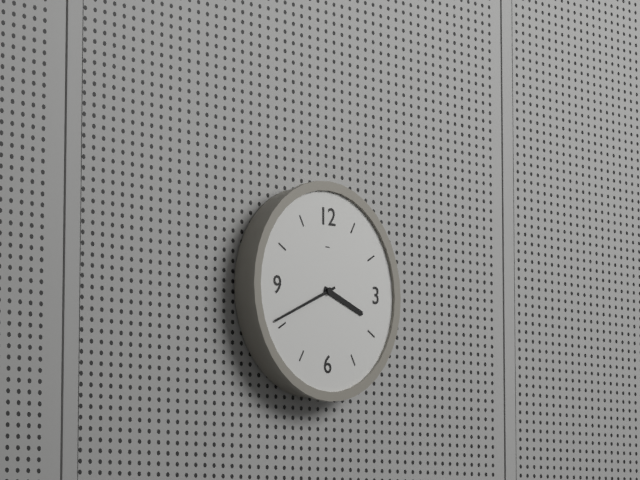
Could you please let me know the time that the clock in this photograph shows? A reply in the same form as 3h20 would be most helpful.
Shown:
3h41
